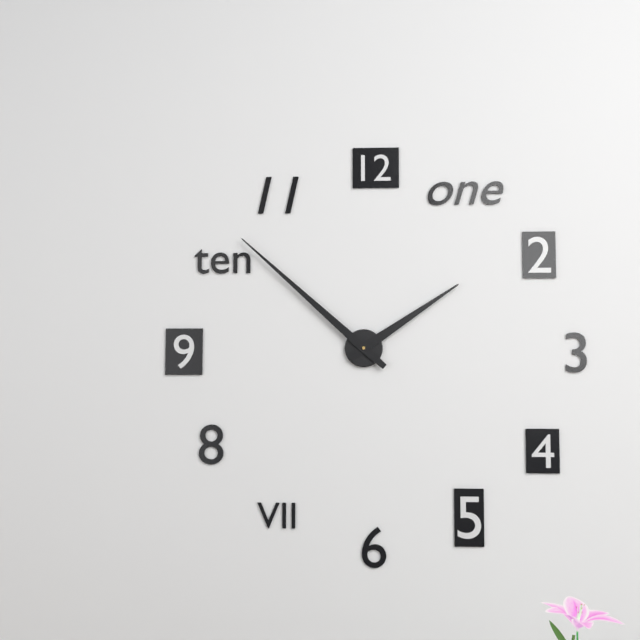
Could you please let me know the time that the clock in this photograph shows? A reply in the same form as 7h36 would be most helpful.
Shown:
1h52
